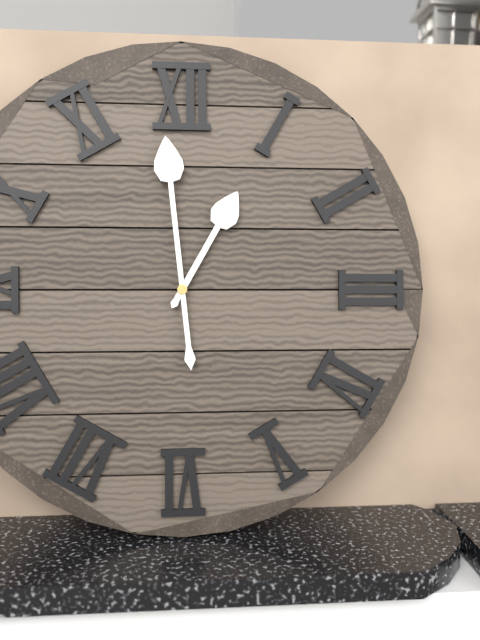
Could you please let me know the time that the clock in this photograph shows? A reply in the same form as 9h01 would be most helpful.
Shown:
12h59
